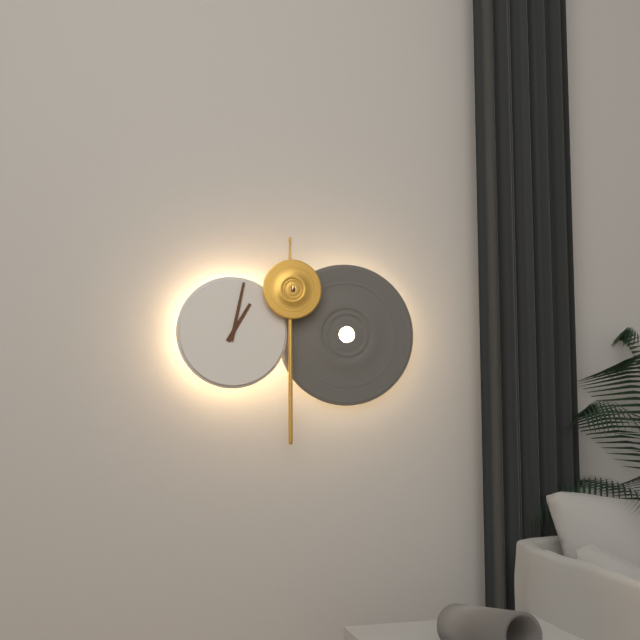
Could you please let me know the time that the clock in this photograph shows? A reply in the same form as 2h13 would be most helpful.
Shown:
1h02
